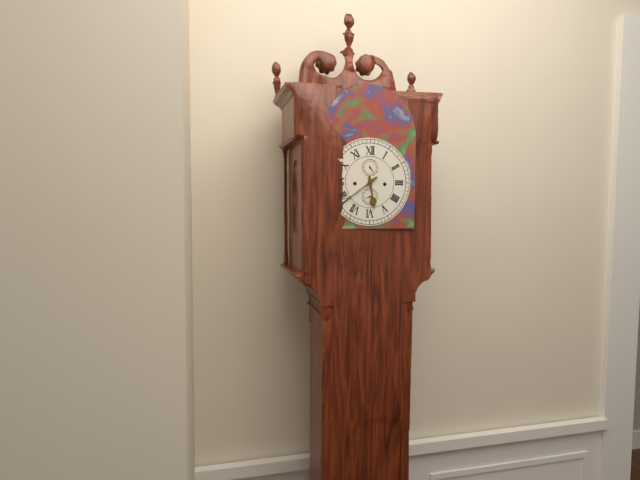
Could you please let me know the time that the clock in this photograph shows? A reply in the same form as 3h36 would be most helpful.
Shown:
5h39
